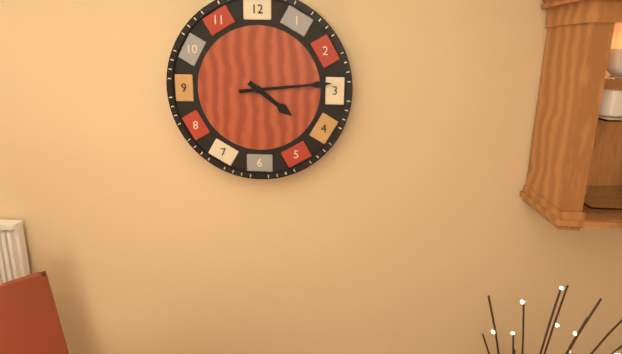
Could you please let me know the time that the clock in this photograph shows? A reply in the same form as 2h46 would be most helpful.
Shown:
4h14
